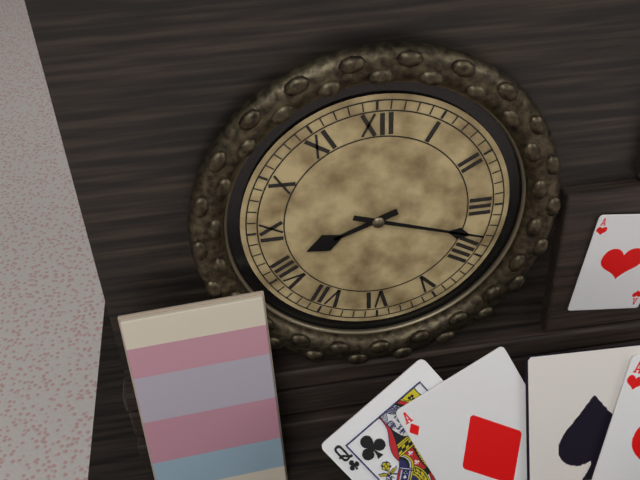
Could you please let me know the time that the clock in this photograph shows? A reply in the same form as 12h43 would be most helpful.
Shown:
8h18
